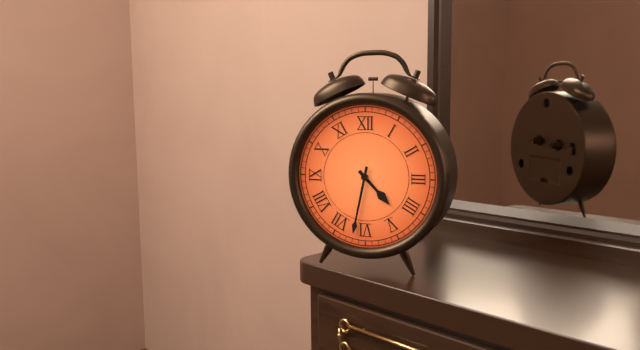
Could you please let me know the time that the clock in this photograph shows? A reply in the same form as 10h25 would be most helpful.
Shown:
4h32
